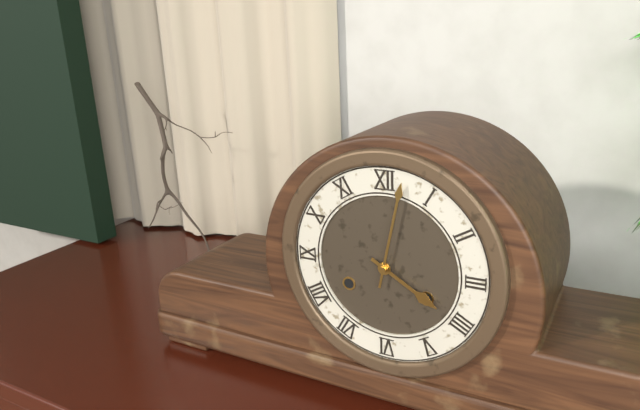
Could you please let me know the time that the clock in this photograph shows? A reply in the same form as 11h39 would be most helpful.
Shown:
4h02
